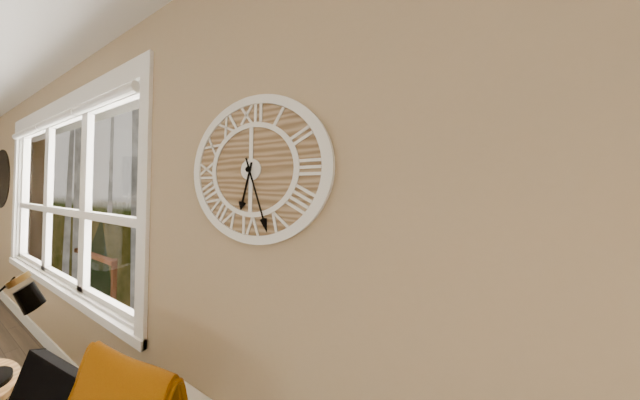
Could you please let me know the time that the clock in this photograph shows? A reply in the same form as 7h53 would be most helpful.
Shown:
6h27
